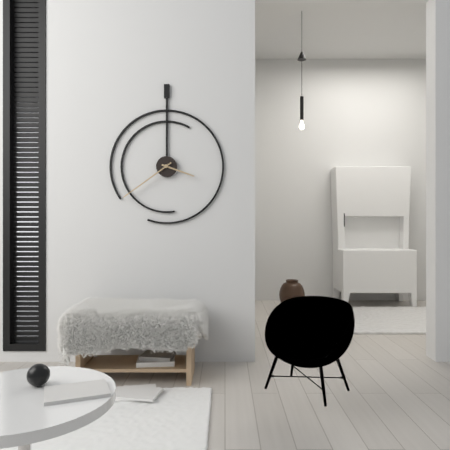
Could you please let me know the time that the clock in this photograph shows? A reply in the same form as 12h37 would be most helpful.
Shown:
3h39
